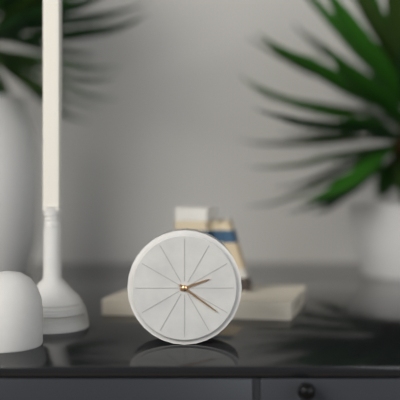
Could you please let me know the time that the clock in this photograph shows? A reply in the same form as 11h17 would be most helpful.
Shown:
2h21
